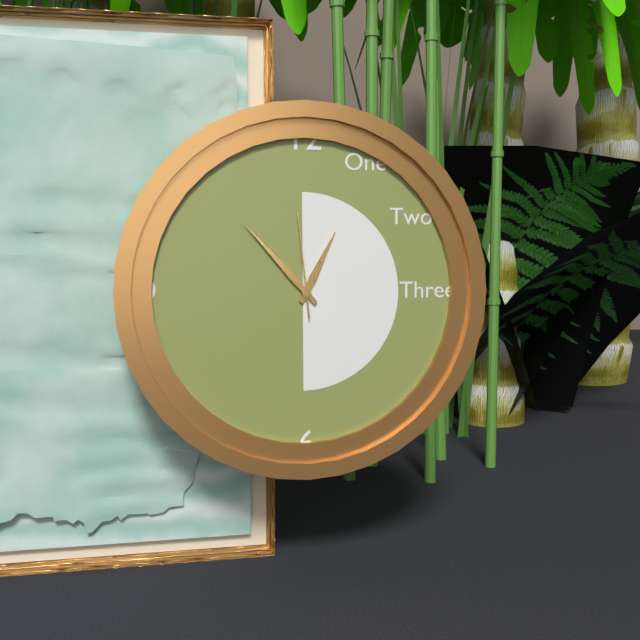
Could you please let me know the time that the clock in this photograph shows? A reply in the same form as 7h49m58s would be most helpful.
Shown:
12h53m59s
